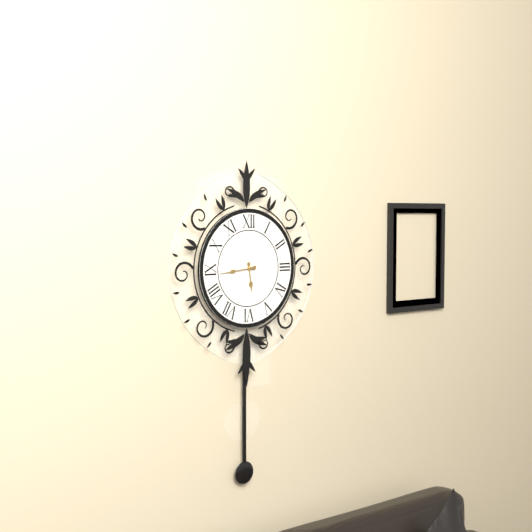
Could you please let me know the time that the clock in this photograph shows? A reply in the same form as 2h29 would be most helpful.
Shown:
5h44
